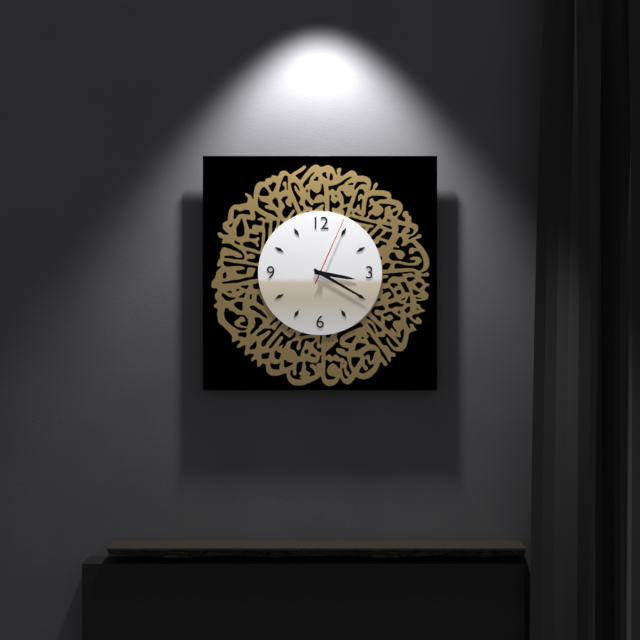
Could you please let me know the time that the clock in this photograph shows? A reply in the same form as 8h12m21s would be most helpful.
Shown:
3h20m04s
